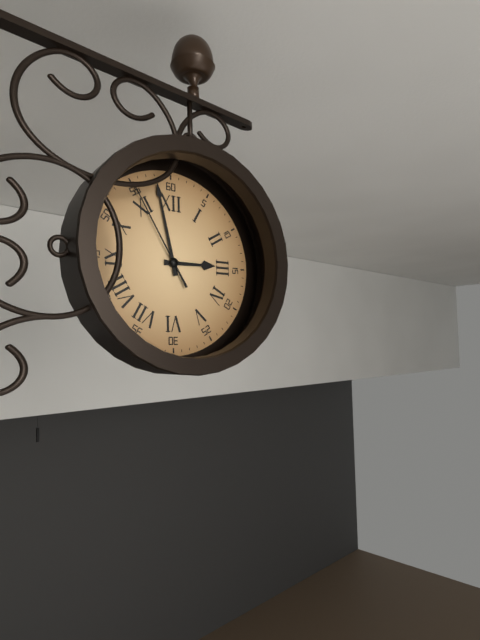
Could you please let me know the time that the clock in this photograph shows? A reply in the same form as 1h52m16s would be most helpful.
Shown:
2h58m55s
